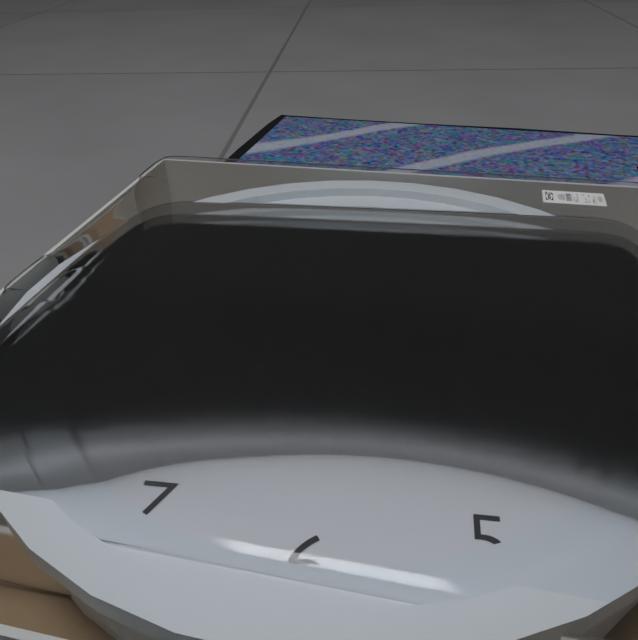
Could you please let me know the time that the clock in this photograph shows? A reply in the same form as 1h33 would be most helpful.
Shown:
1h52
